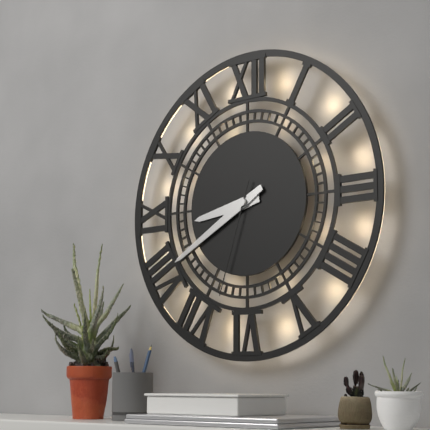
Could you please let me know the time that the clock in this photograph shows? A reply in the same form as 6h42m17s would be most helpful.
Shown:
8h40m33s
